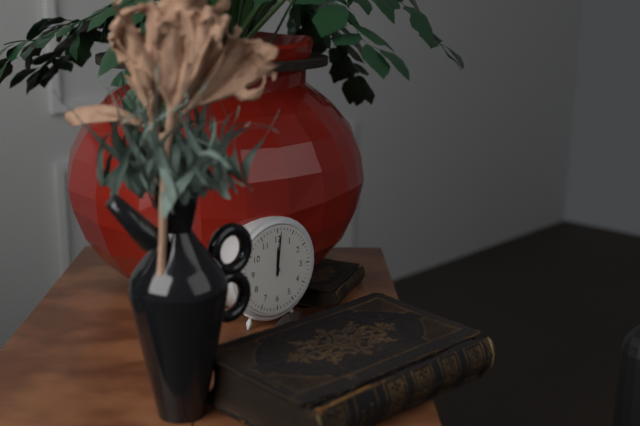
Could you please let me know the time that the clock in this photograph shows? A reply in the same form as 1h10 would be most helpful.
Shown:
12h01
